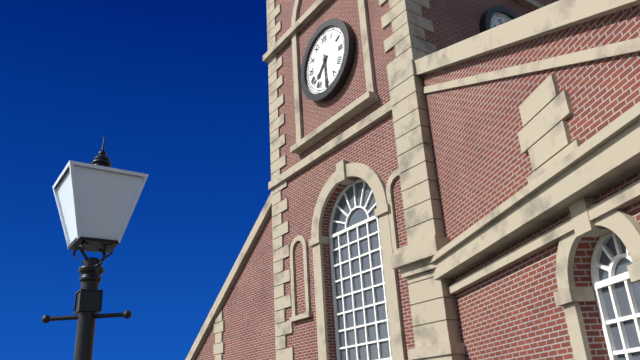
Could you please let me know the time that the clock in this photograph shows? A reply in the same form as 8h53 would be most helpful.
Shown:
7h30
